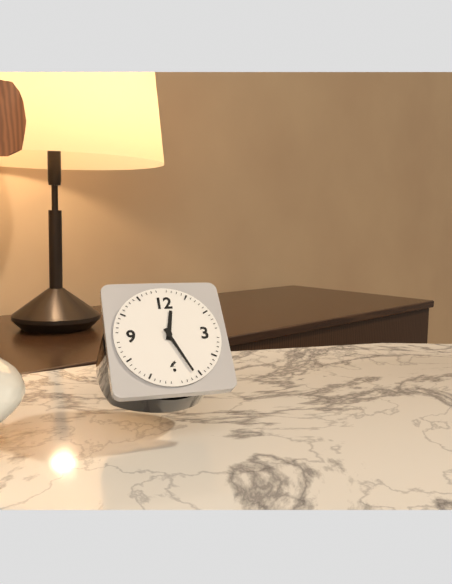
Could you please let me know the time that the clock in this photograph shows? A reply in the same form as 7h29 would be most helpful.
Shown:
12h26
